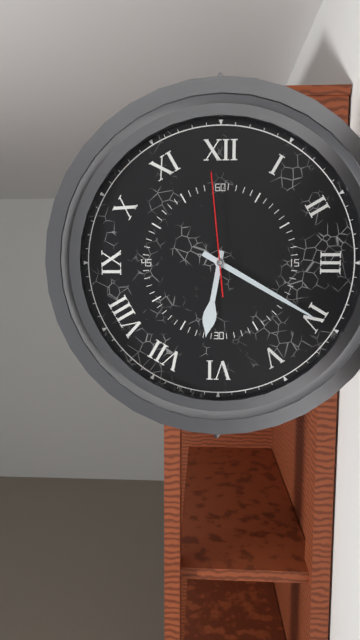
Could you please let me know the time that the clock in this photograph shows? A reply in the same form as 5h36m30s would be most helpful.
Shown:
6h20m59s
